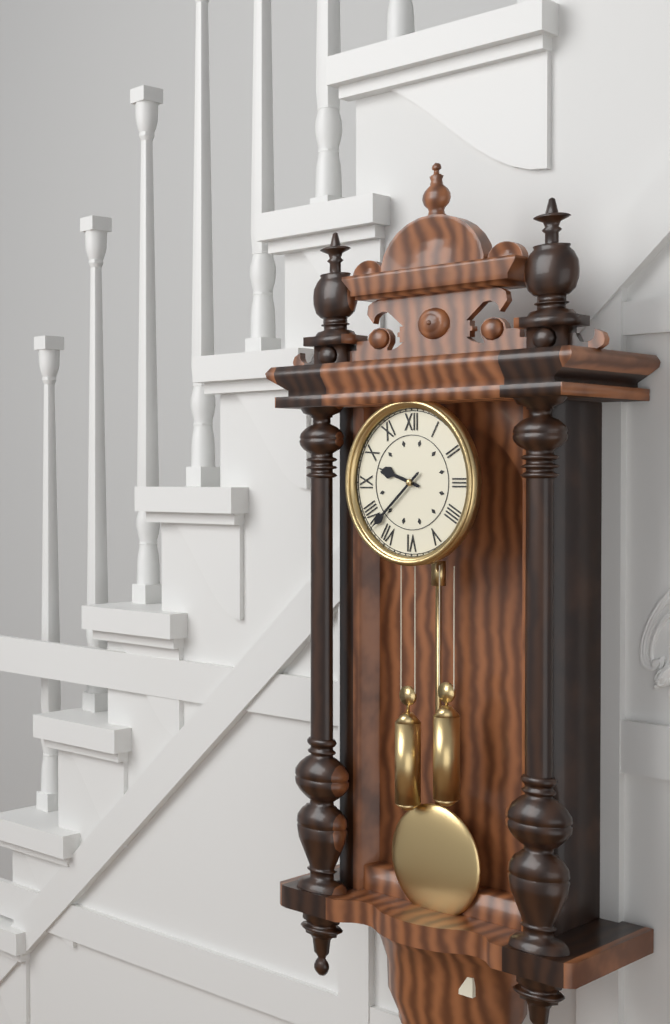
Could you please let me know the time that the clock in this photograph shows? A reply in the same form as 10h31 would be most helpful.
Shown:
9h38
